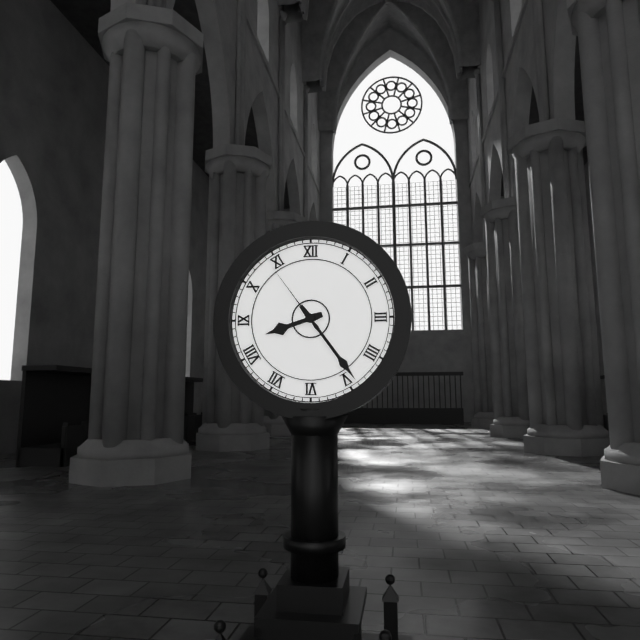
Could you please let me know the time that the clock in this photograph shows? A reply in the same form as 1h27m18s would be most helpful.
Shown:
8h24m54s
